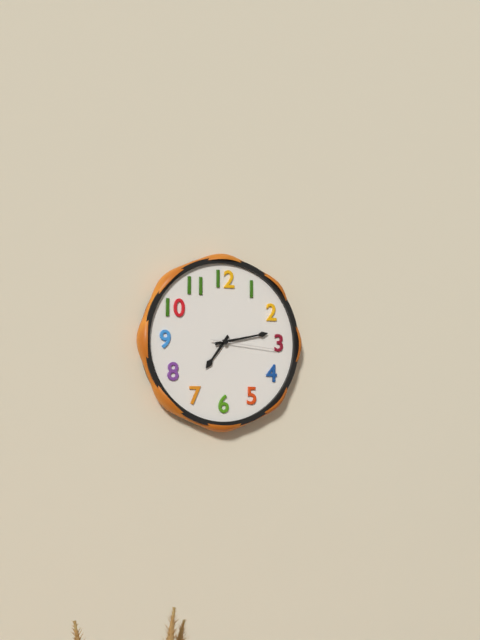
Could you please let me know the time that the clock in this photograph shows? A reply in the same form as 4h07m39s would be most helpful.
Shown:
7h13m16s
